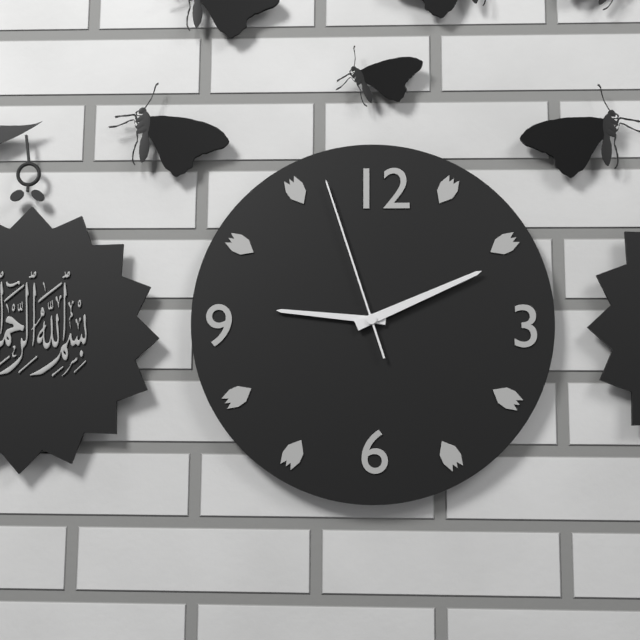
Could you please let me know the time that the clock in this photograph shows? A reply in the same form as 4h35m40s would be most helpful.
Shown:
9h11m57s
